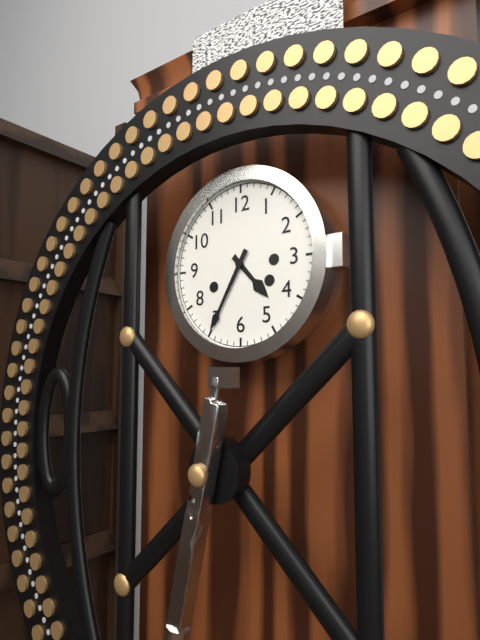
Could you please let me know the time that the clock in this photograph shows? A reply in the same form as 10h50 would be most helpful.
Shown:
4h35
